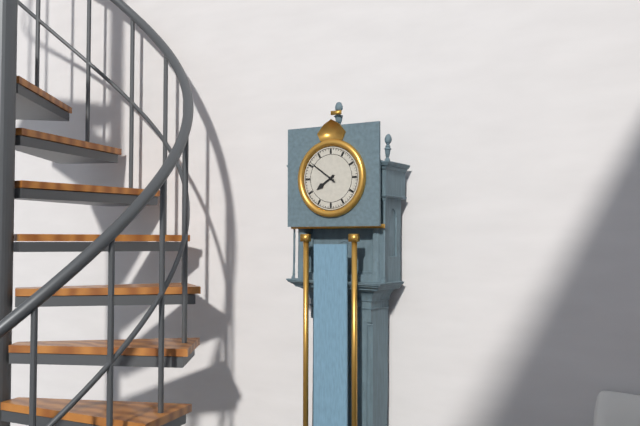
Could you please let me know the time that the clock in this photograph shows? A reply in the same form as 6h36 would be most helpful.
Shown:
7h51
